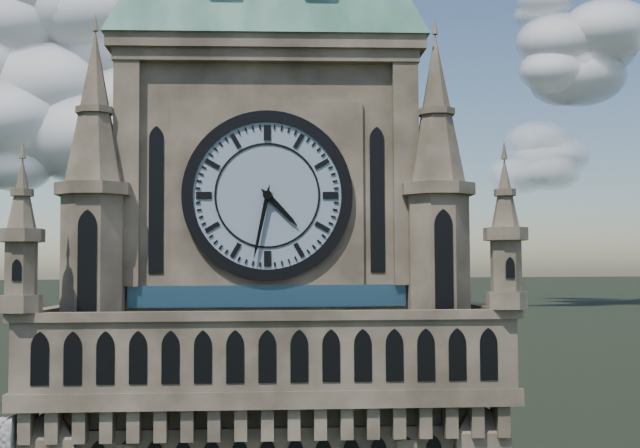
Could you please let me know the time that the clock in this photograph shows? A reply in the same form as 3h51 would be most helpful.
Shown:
4h32
